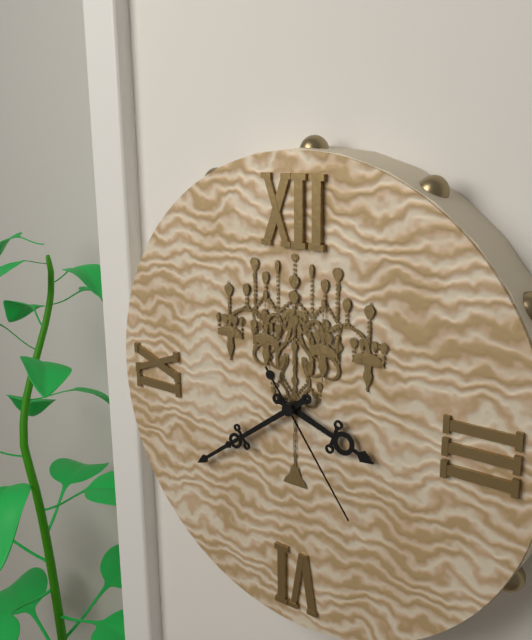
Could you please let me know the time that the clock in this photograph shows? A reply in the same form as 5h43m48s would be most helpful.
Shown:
3h39m24s
